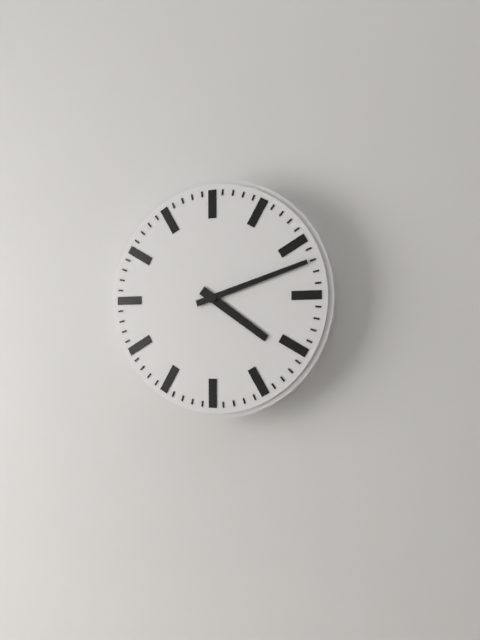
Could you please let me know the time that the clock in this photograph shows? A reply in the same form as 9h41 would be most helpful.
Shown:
4h12
